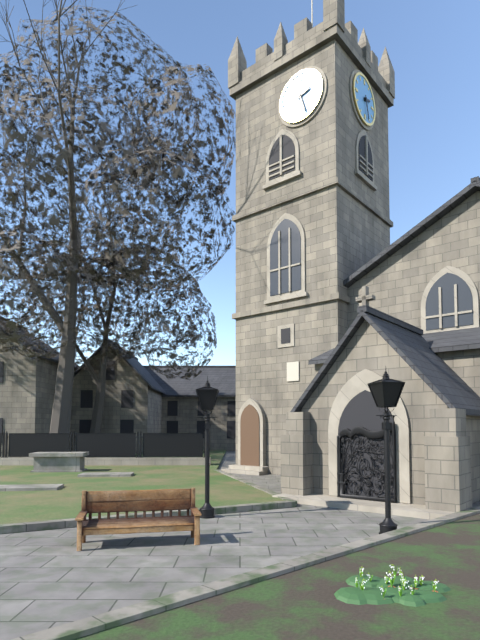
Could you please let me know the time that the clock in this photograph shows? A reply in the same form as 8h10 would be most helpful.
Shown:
2h27
